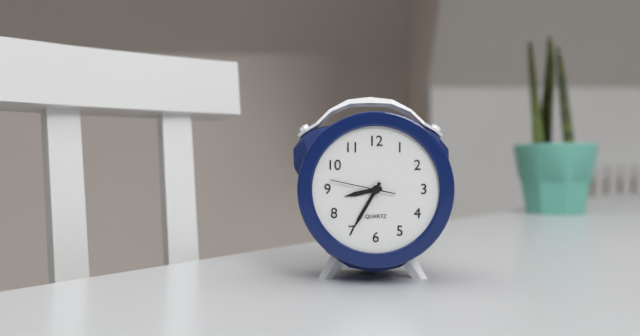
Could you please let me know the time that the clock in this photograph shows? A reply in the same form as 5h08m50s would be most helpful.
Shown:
8h35m47s
